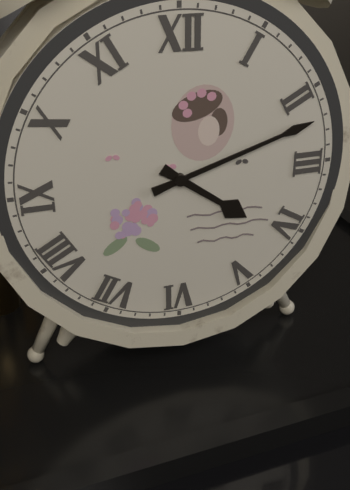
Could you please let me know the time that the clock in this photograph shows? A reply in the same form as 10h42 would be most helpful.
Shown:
4h12
